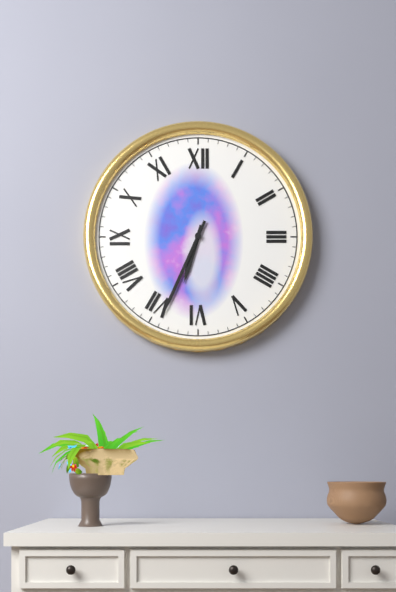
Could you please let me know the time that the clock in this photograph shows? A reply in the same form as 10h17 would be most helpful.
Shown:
6h34
